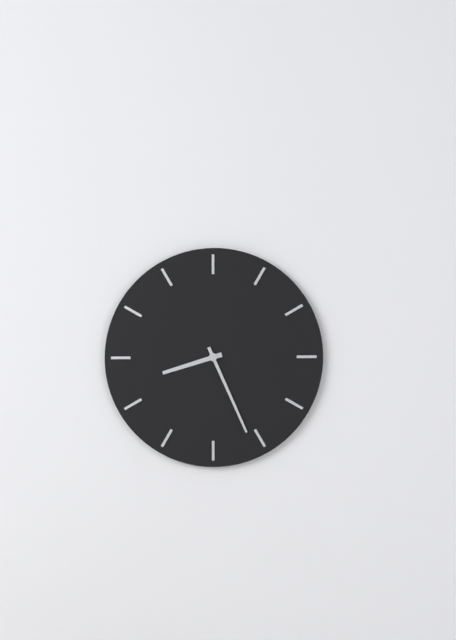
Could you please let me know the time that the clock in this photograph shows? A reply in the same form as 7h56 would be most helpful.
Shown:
8h26
